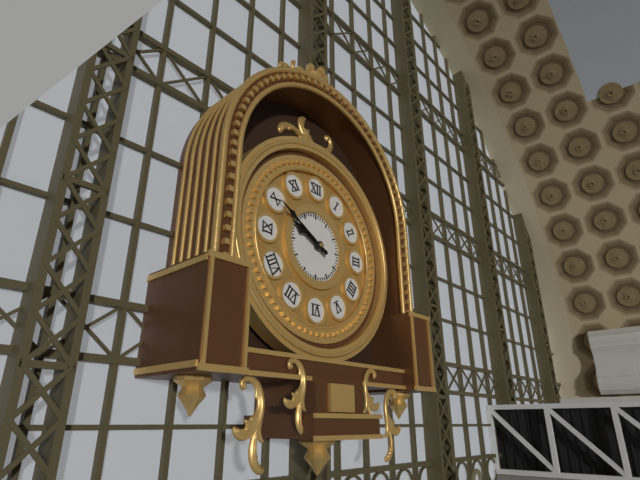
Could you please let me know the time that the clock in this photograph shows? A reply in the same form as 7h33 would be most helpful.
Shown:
9h50
